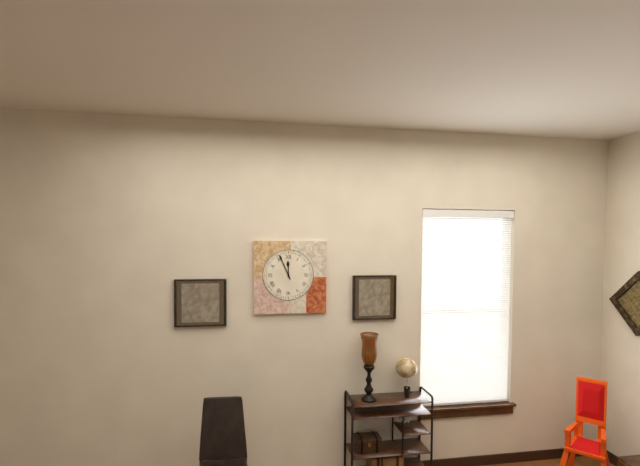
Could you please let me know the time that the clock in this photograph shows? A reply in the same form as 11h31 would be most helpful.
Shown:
11h56
